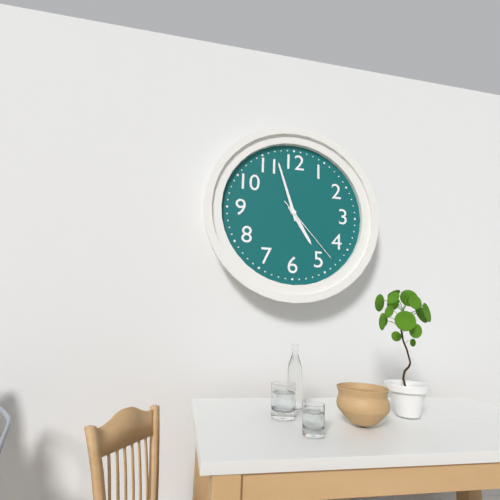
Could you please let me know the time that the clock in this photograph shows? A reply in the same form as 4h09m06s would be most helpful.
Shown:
4h57m23s
